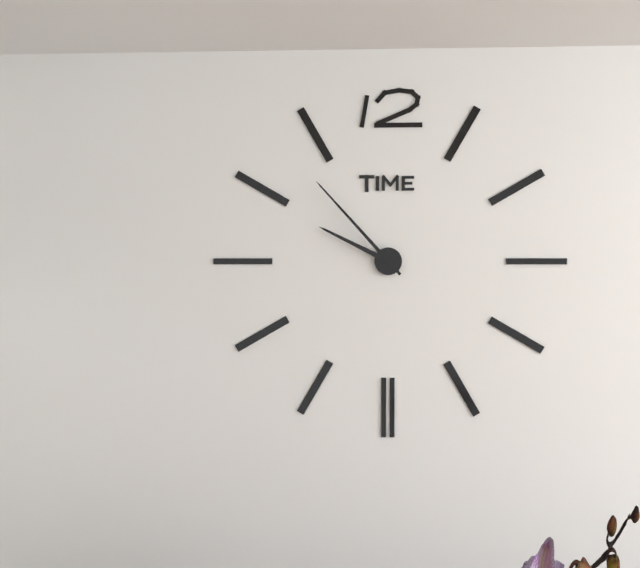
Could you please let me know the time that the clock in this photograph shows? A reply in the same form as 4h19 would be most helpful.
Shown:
9h53
